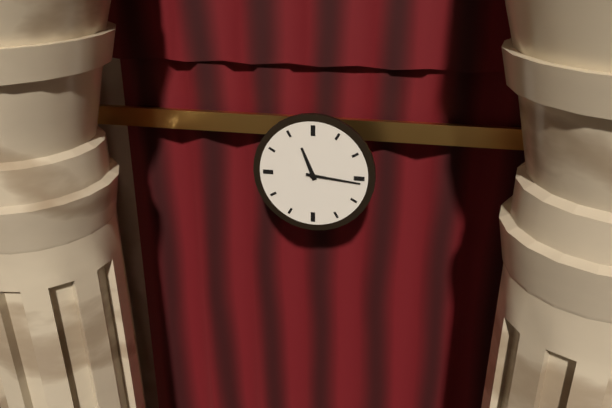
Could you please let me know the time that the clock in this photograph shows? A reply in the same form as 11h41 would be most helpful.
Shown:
11h16
